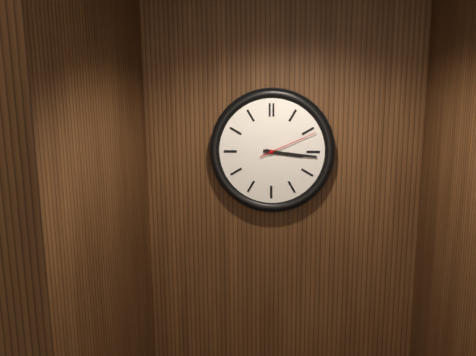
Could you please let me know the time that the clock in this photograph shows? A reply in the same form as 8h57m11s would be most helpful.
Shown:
3h16m11s
